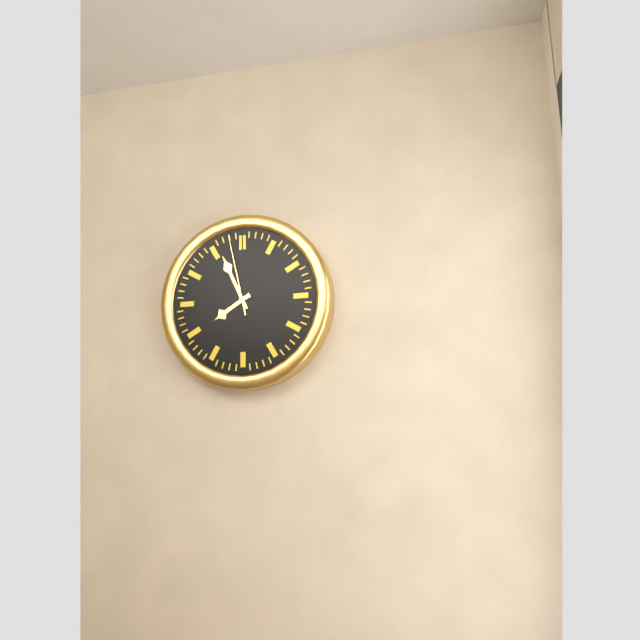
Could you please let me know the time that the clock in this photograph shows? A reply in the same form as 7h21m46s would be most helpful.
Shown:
7h56m58s
